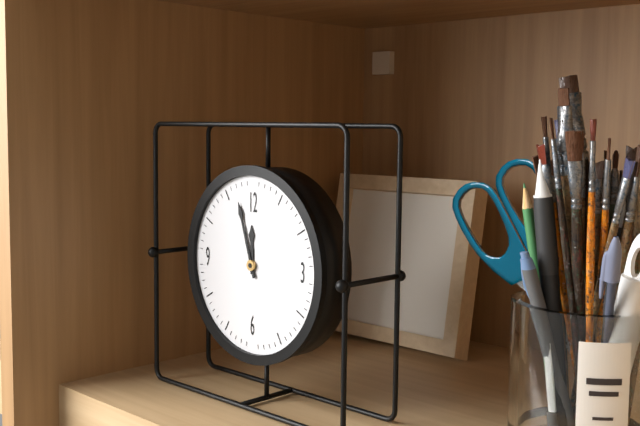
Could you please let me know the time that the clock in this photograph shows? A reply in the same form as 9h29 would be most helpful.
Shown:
11h57
